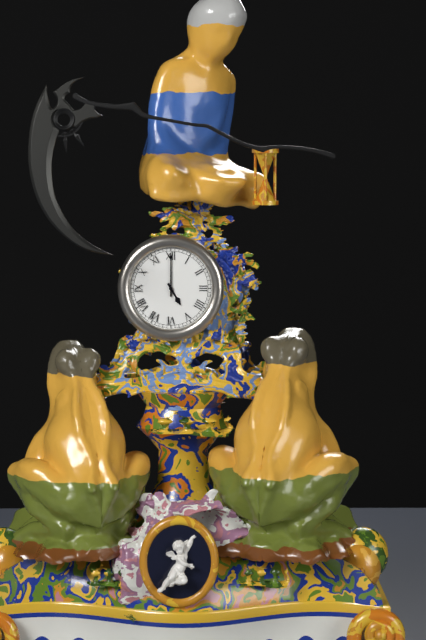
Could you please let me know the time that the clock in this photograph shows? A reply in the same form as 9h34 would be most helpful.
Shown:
5h00
